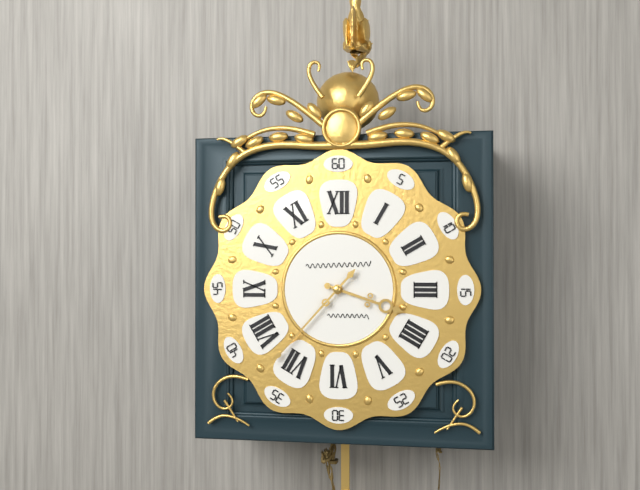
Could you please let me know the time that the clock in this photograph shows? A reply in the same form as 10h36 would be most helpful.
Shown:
3h37
